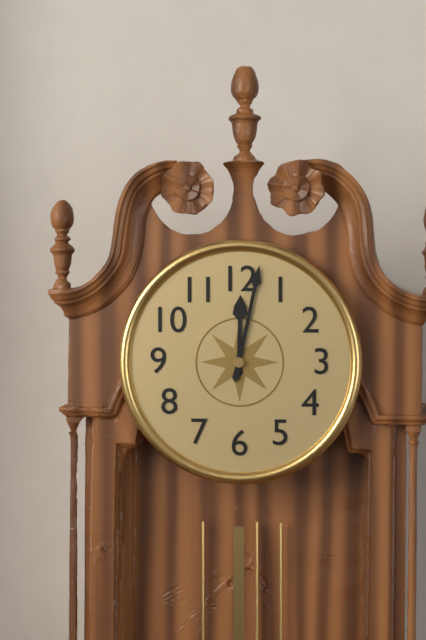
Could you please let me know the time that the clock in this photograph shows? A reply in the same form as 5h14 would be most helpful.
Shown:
12h02
